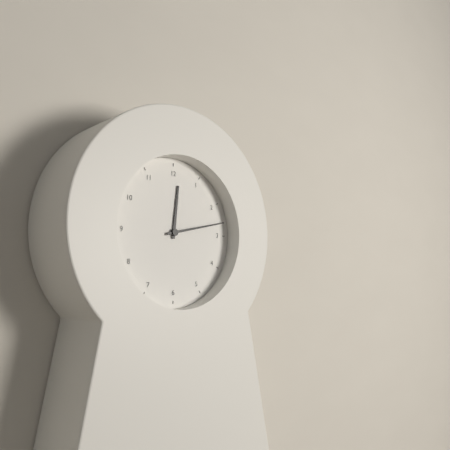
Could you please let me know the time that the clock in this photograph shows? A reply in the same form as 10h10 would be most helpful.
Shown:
12h13
